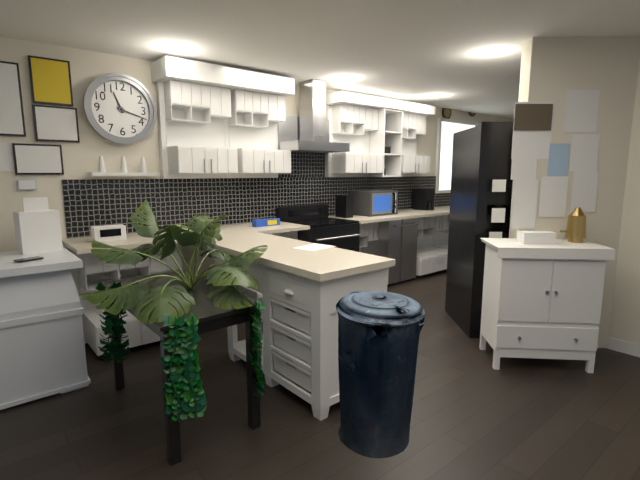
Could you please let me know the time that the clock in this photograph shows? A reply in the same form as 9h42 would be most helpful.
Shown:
11h18
